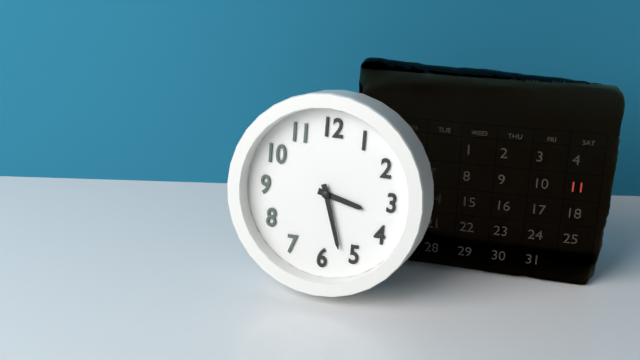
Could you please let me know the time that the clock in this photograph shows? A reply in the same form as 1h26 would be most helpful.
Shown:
3h27
